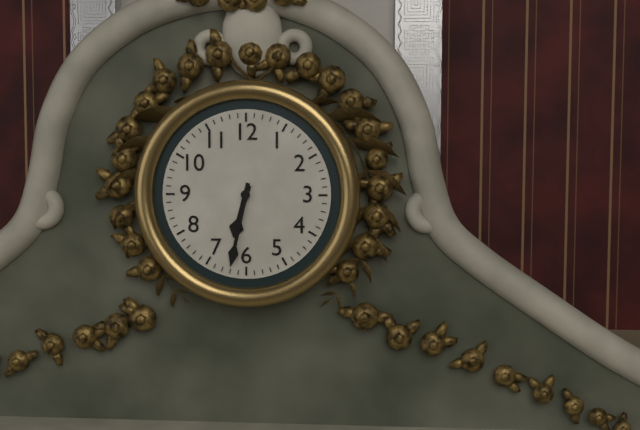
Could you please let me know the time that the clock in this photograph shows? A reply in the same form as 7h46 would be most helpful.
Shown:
6h32
